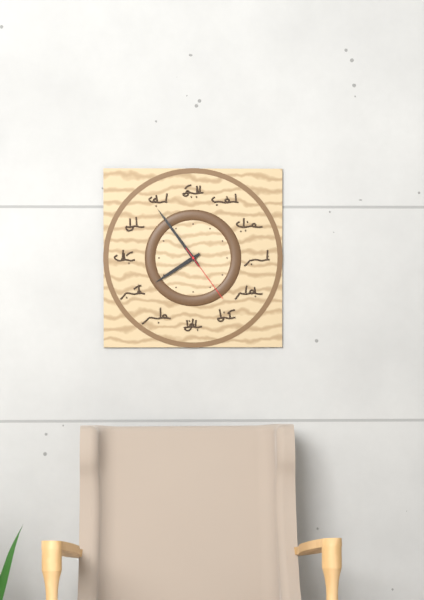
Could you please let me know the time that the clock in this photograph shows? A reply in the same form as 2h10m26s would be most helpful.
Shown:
7h54m24s
